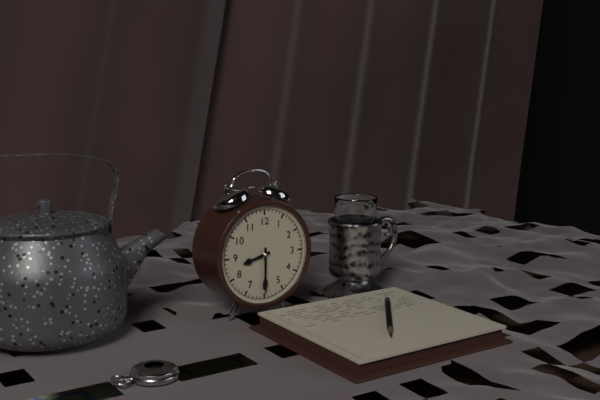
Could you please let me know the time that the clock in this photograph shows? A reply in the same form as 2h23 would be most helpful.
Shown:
8h30
